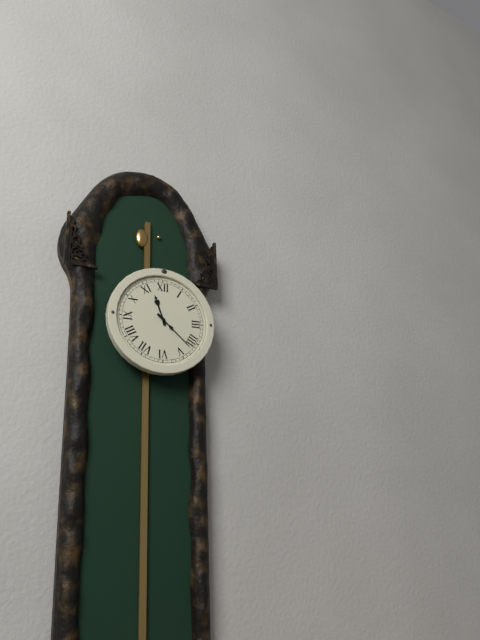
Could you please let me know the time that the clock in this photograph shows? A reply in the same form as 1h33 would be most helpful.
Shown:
11h22
